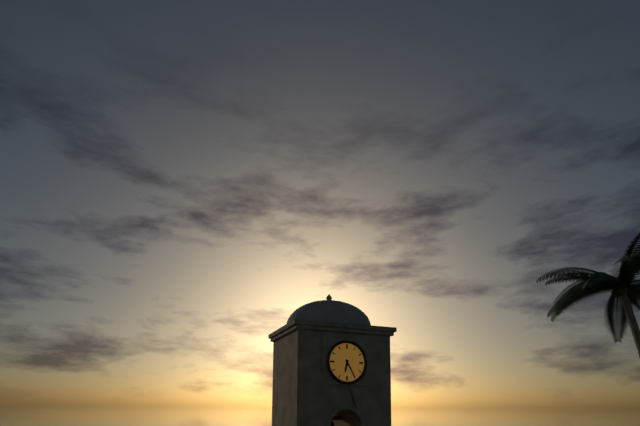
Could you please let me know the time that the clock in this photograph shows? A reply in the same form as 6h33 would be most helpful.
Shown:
6h25
